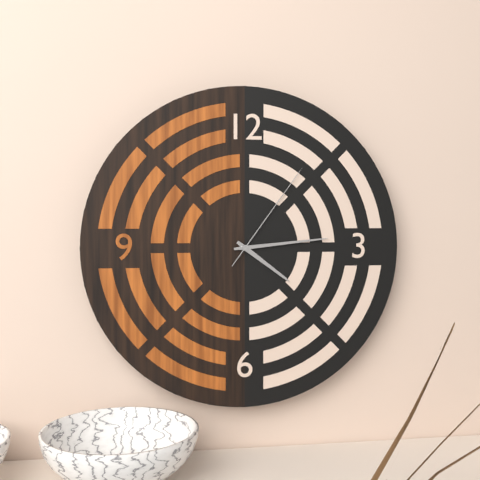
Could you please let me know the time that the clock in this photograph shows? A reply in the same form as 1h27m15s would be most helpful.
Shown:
4h14m06s
